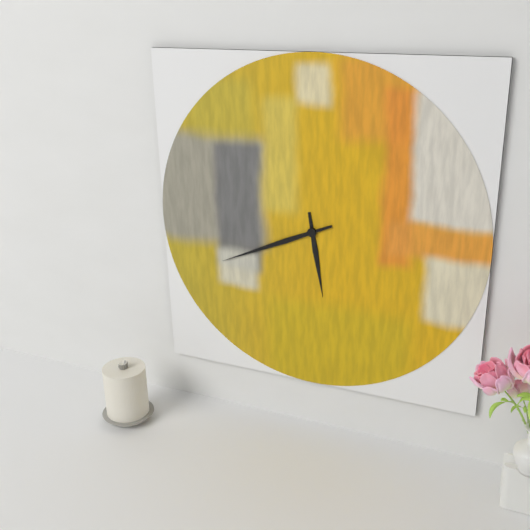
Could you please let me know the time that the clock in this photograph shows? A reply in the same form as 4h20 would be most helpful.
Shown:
5h41
